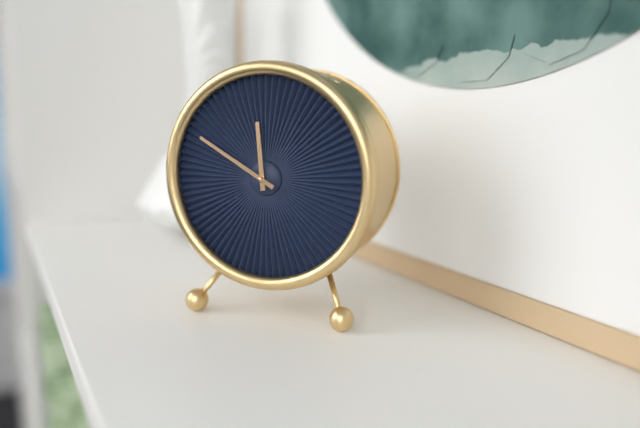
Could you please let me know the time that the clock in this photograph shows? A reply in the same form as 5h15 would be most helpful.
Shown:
11h50
